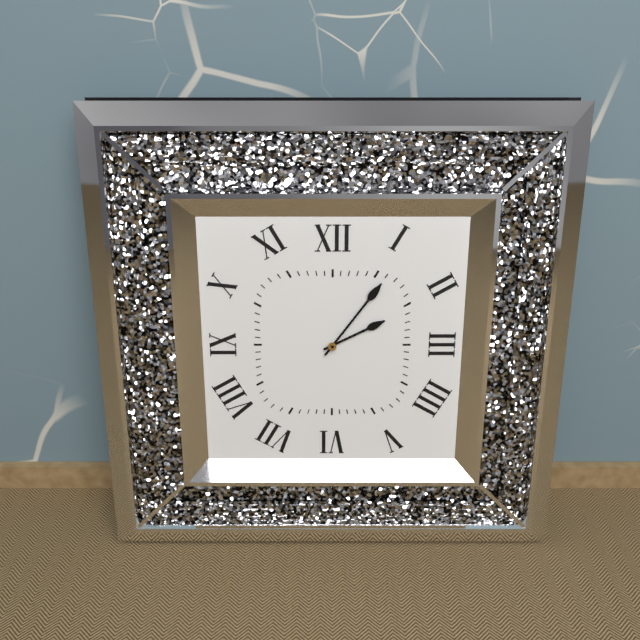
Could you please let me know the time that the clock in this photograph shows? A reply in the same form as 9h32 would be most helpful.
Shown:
2h06
